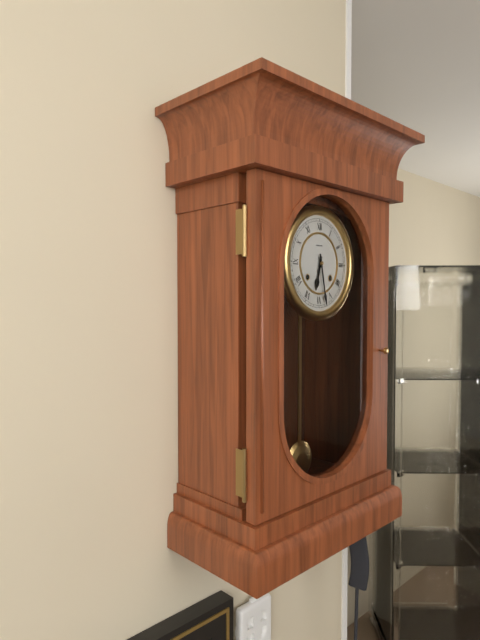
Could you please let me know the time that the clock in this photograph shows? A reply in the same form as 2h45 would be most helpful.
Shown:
6h28
